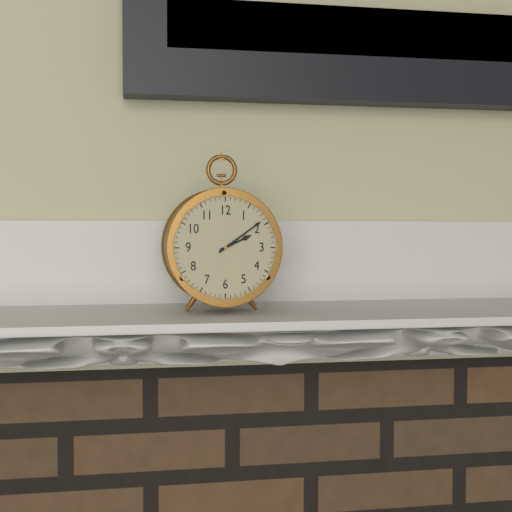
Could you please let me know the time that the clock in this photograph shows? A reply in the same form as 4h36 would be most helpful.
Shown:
2h09
